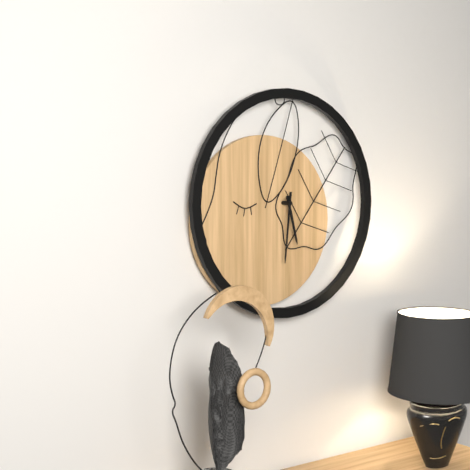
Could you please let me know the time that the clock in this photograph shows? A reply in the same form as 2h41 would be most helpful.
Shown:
5h31
